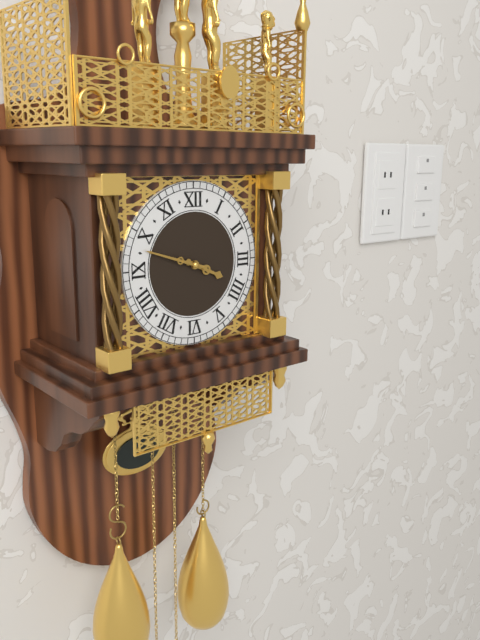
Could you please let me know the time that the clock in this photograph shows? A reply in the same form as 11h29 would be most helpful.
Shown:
3h48
